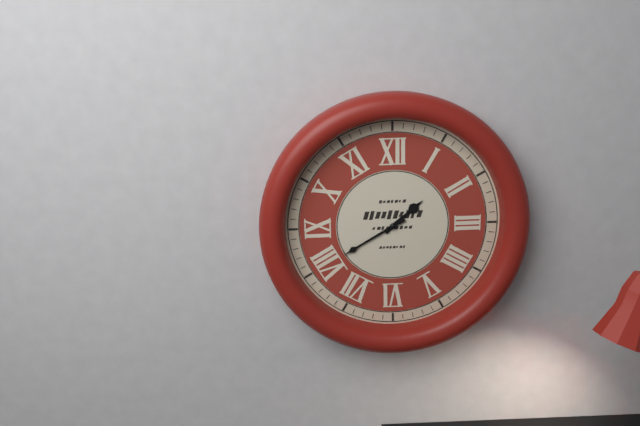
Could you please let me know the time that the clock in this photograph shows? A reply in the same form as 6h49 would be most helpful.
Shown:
1h40
